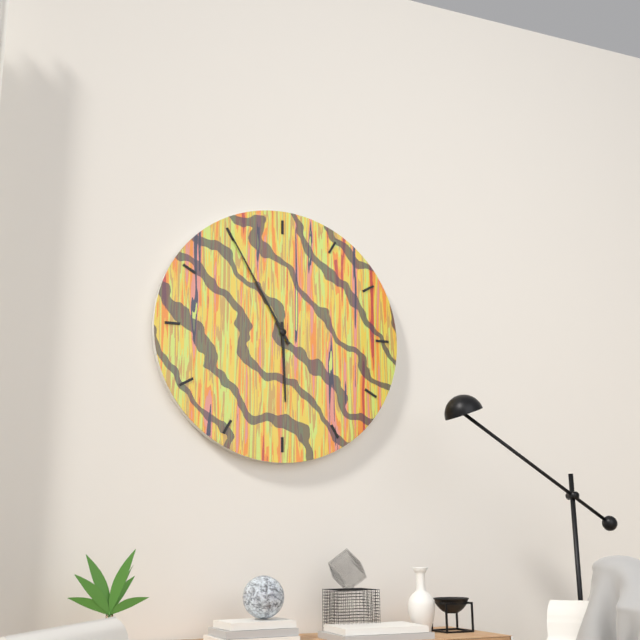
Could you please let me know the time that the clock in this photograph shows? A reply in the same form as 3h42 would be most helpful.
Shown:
5h55
